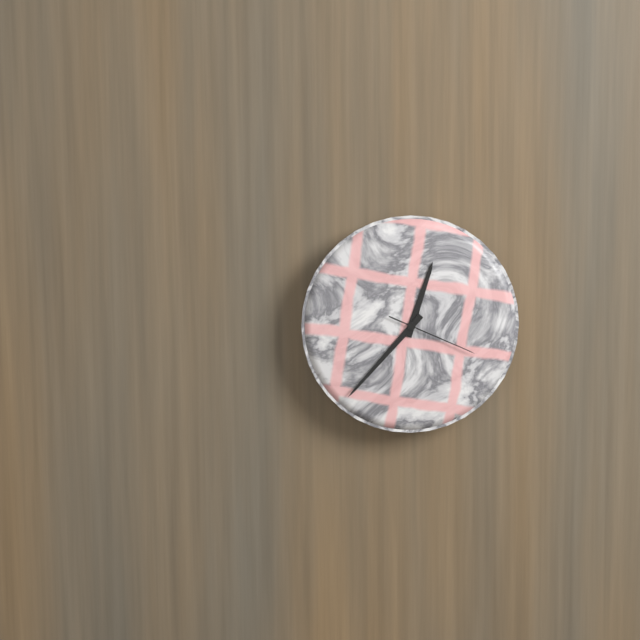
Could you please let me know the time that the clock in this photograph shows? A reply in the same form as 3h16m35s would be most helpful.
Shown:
12h37m19s
